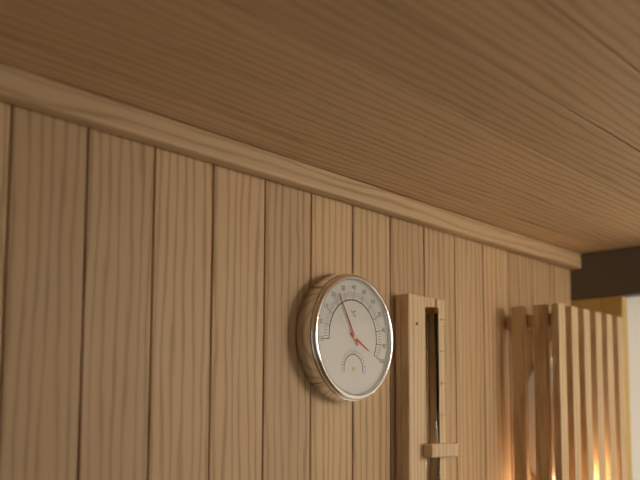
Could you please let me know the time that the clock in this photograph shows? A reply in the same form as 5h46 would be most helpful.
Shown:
3h55
